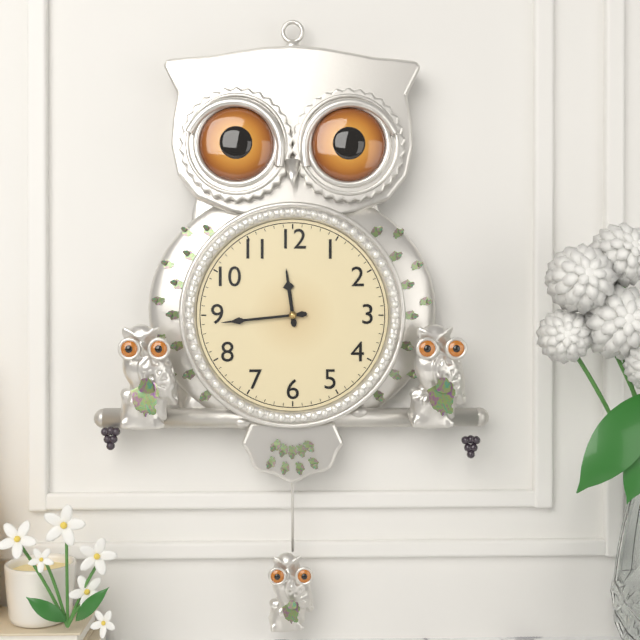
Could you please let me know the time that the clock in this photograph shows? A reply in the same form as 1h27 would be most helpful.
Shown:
11h44
